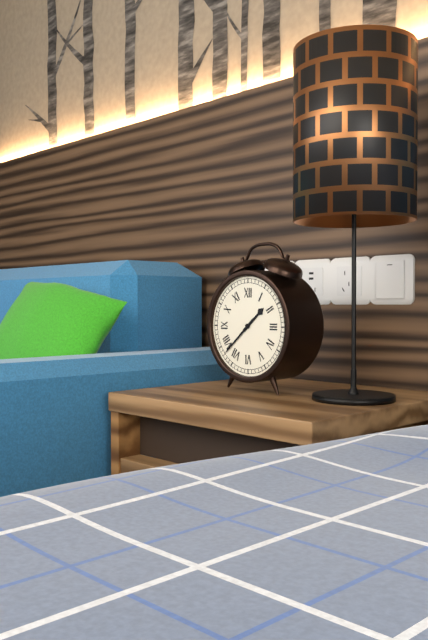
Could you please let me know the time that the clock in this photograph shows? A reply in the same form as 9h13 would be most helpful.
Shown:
1h38
